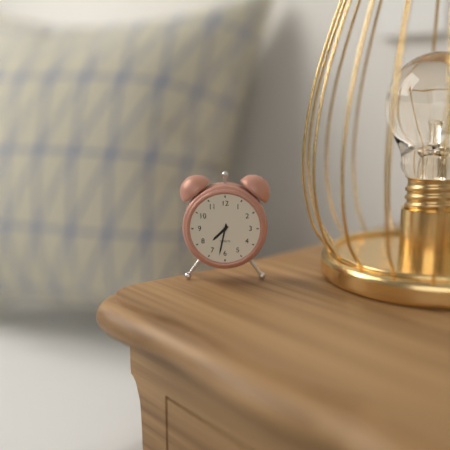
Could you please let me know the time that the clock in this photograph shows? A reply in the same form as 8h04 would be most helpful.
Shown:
7h32
